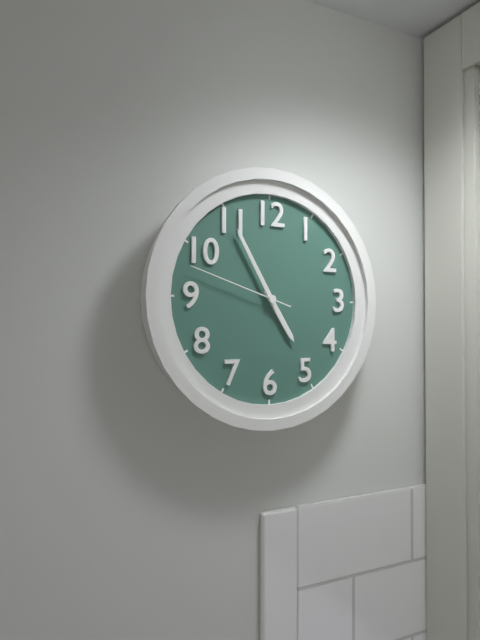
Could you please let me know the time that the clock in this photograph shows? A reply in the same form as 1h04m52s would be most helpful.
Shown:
4h55m48s
